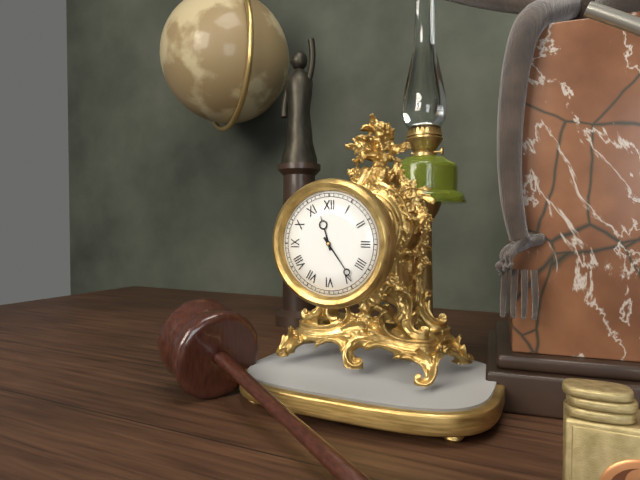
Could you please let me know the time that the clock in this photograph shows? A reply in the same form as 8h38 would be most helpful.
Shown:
11h24
